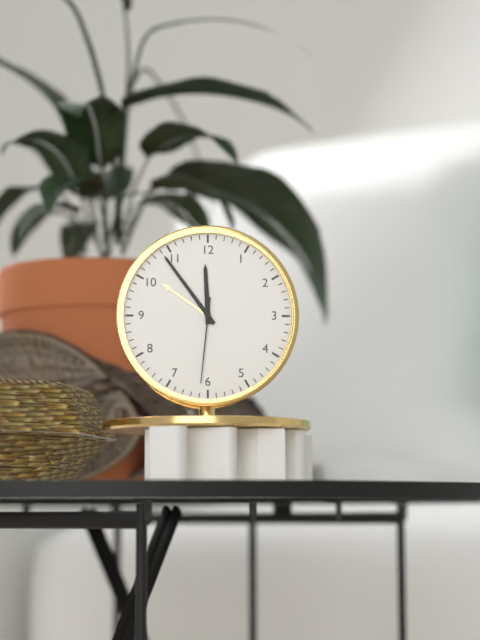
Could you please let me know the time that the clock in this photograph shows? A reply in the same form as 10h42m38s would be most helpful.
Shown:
11h54m31s
